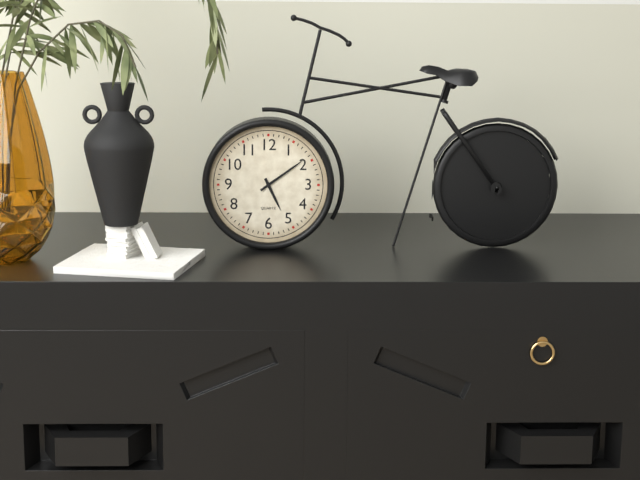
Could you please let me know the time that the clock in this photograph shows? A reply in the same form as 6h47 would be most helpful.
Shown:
5h09
